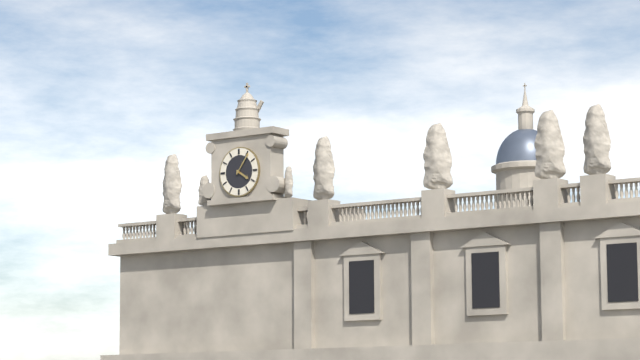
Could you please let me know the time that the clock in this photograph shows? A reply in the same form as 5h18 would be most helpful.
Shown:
4h06
